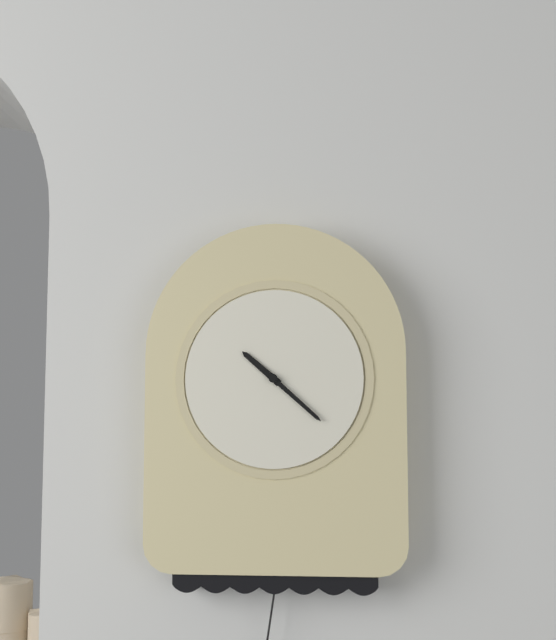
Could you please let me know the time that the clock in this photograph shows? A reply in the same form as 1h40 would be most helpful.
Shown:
10h22
